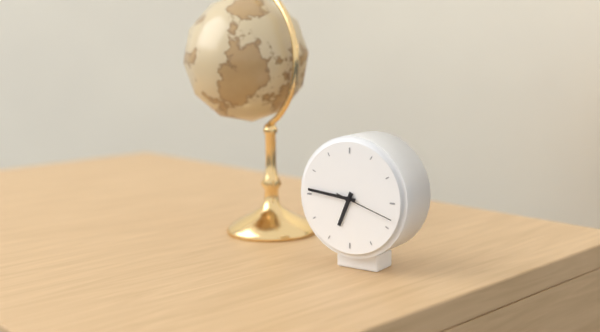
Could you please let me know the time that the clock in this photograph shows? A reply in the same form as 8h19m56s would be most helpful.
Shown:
6h46m18s
